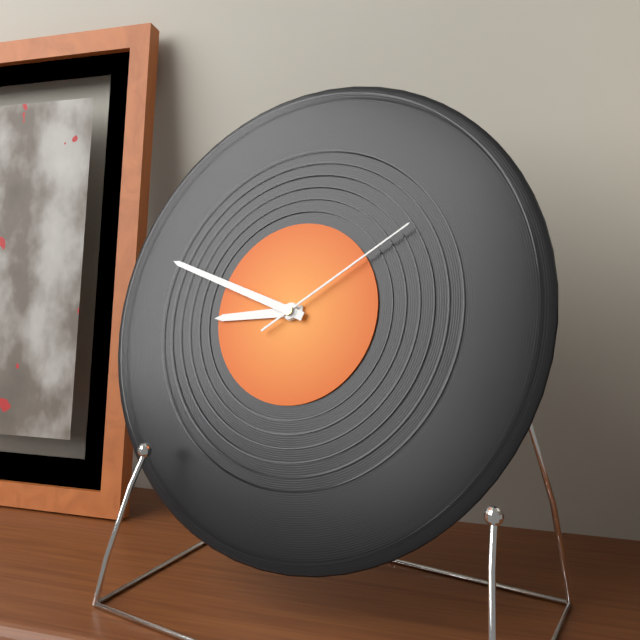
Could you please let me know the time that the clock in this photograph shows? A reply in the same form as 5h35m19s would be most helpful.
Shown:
8h48m09s
